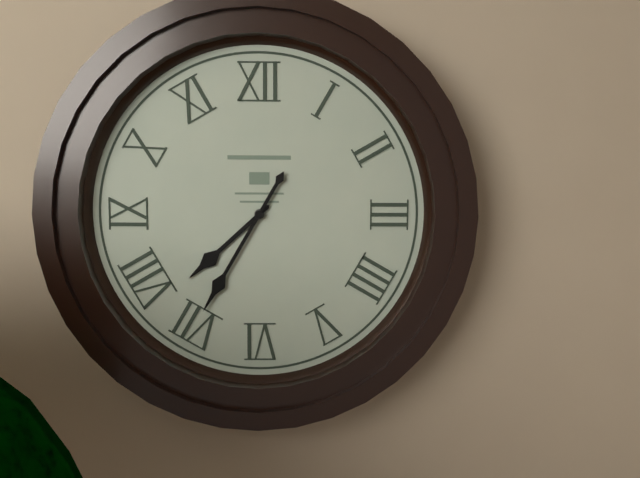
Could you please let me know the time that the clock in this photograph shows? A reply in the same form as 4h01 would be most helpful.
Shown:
7h35
